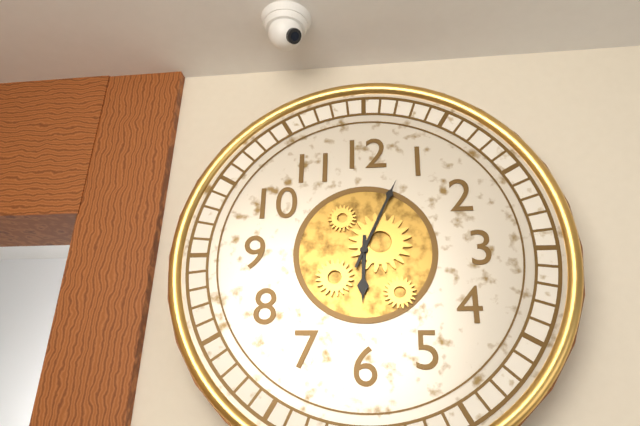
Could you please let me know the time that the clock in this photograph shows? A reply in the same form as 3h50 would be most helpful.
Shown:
6h04
